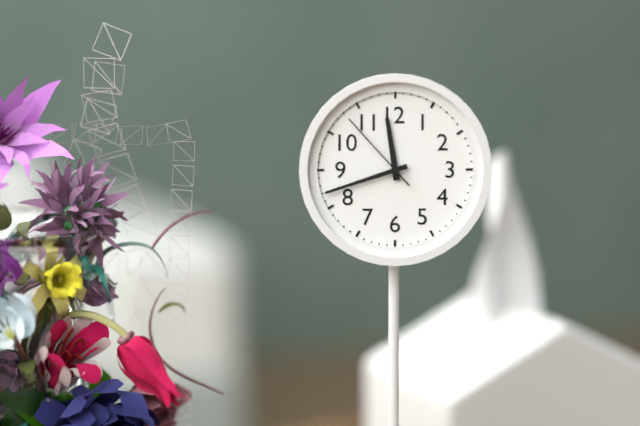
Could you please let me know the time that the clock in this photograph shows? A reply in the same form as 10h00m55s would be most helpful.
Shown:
11h42m53s
